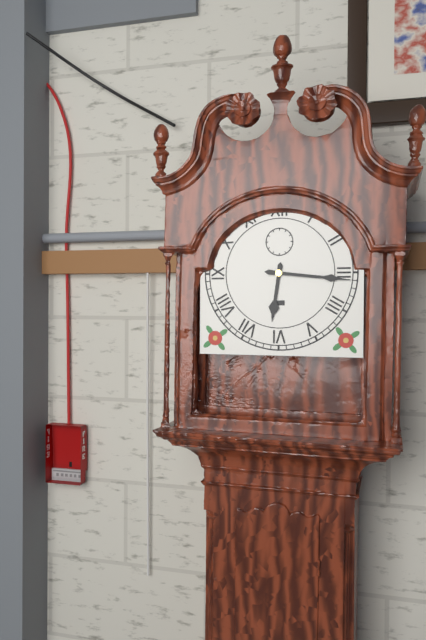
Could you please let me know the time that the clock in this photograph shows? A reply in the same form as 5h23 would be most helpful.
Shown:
6h16
